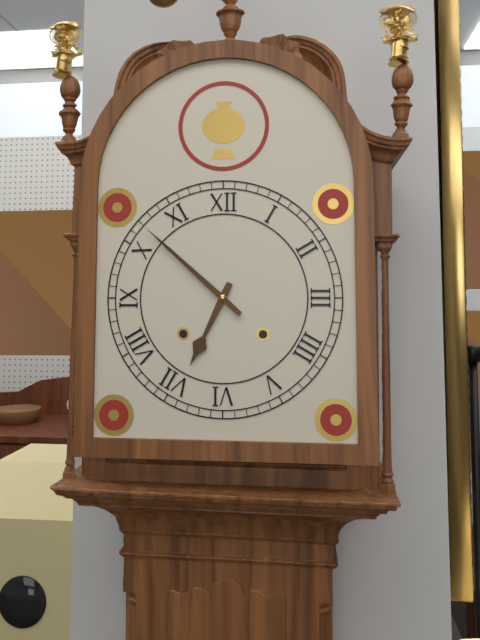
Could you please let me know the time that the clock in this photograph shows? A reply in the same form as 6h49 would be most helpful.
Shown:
6h52
